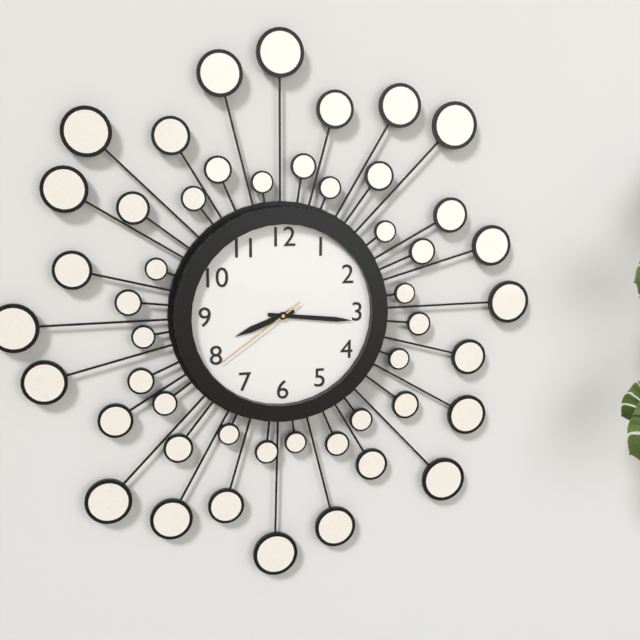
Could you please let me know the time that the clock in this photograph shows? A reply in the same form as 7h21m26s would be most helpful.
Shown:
8h16m39s
